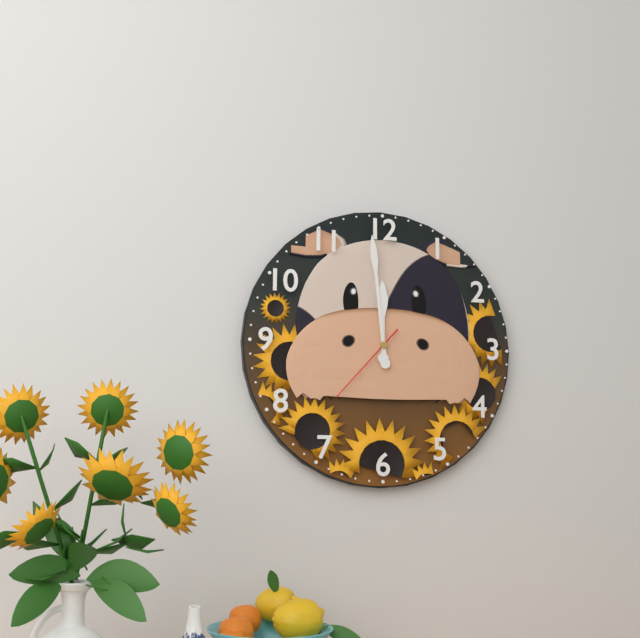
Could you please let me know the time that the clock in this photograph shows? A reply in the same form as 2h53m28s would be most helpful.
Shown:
11h59m37s
